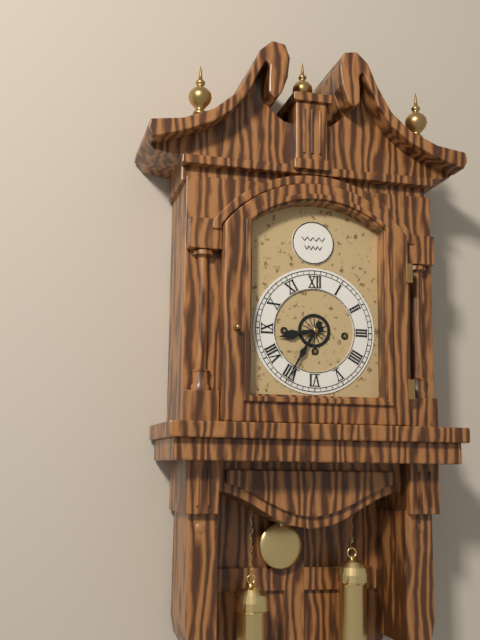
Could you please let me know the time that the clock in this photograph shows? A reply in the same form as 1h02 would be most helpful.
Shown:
8h35
